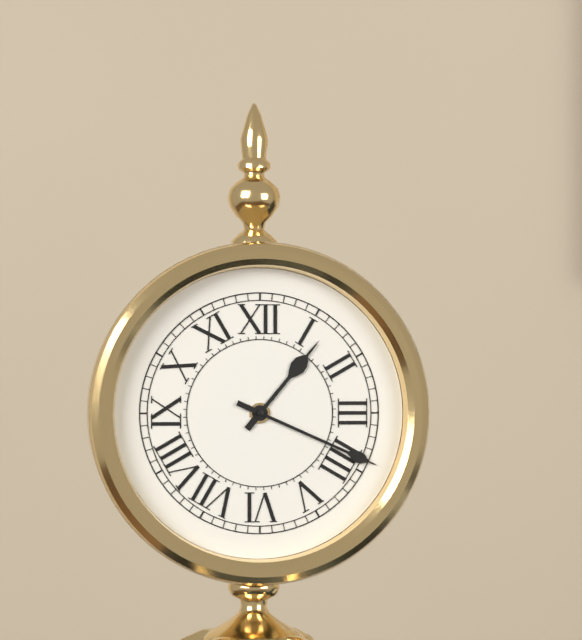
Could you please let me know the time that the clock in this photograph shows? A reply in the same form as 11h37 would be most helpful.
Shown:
1h19
